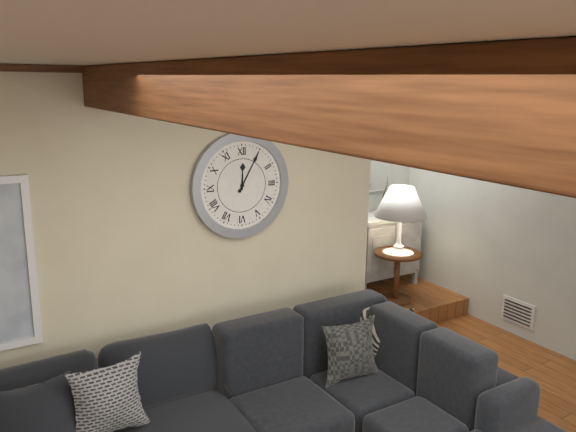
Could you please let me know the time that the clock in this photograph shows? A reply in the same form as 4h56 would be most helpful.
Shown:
12h05
